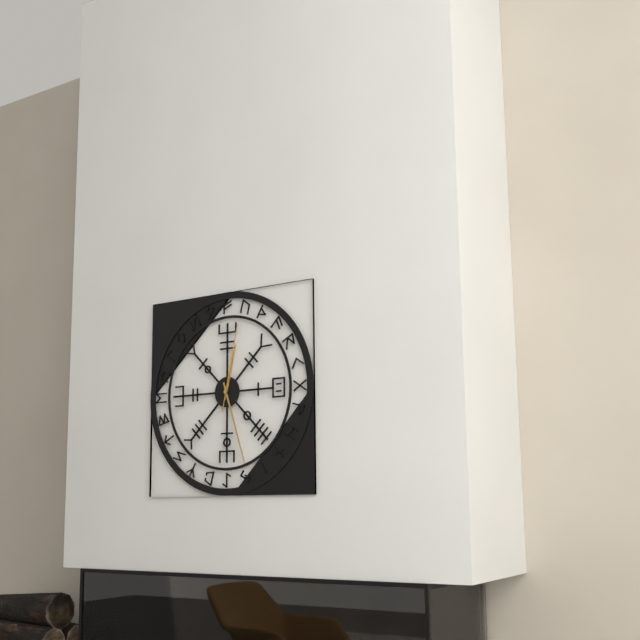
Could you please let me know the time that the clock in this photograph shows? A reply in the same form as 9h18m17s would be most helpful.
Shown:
12h27m02s
